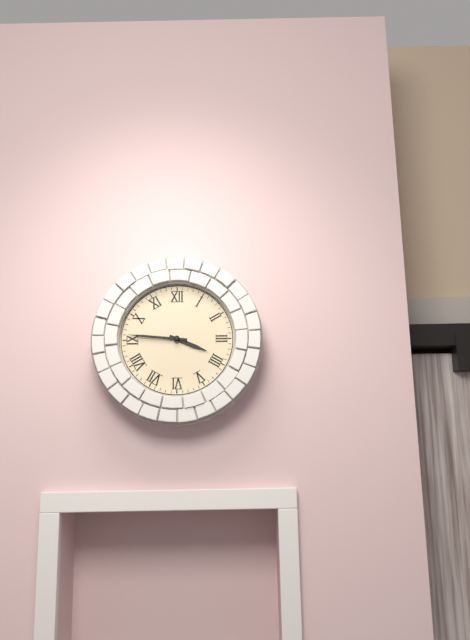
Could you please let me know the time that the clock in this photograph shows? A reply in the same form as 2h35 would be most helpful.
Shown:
3h46
